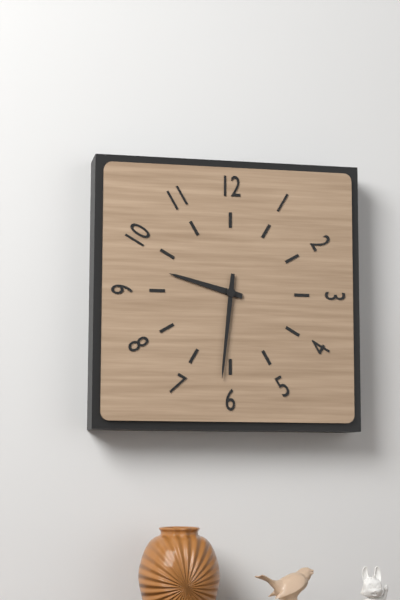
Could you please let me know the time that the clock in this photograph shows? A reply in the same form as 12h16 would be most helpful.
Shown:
9h31
